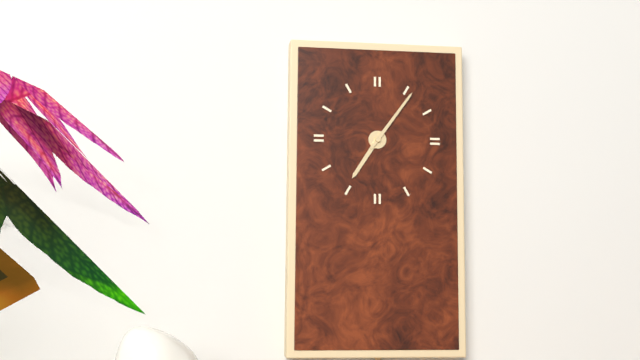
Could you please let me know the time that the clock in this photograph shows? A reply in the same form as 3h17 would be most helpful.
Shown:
7h06
